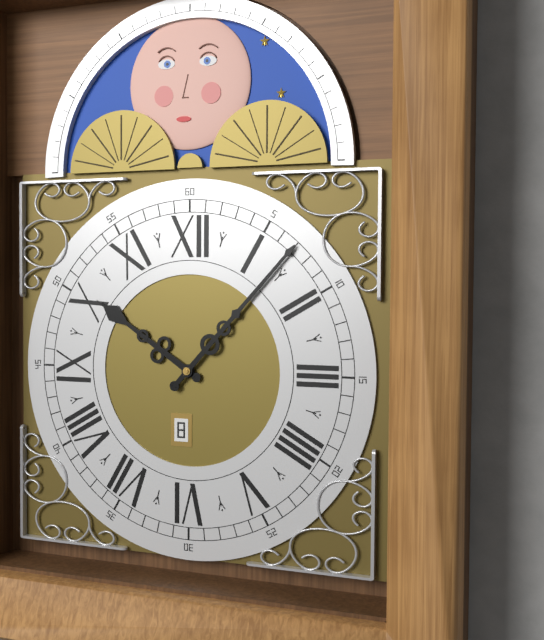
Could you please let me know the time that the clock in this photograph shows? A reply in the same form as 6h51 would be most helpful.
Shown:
10h07
